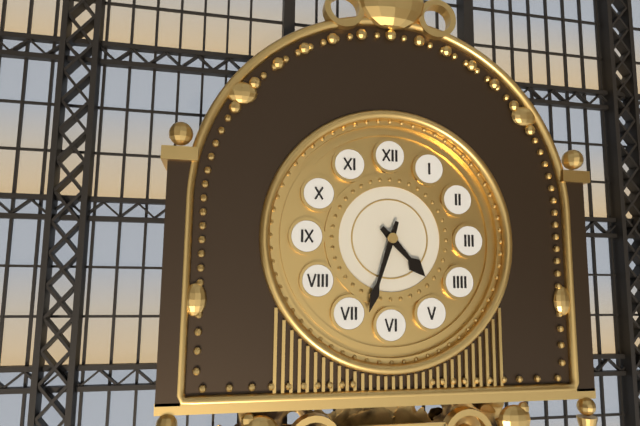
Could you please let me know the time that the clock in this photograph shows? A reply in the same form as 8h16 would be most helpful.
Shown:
4h33
